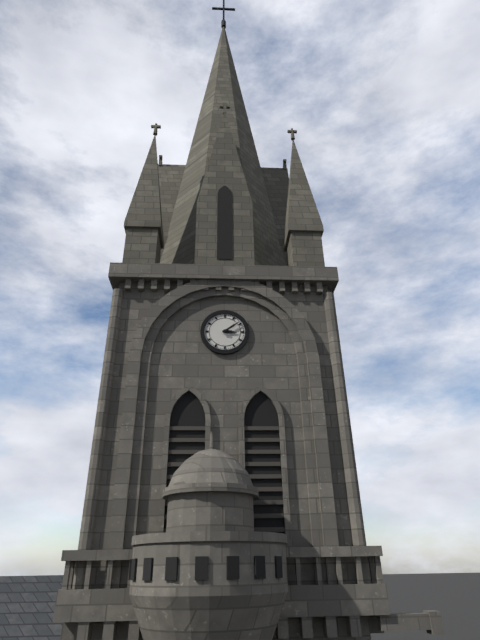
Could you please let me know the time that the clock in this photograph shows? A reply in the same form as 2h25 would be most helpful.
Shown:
3h09
